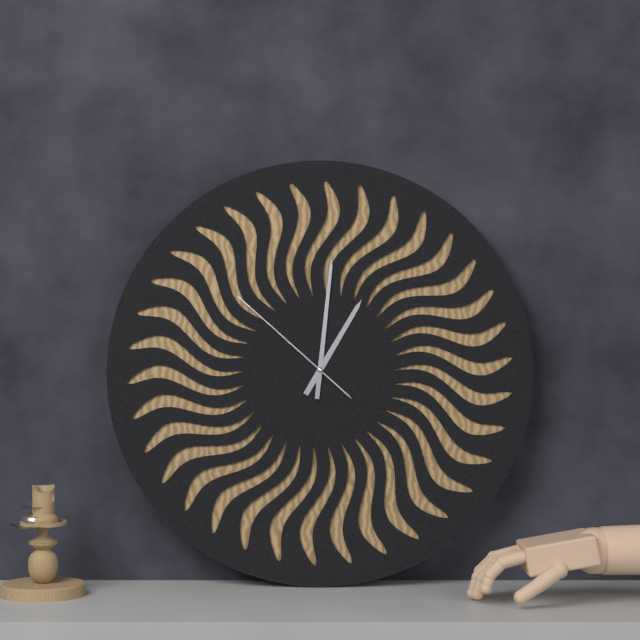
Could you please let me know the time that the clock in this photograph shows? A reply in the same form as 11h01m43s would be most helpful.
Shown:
1h01m52s
